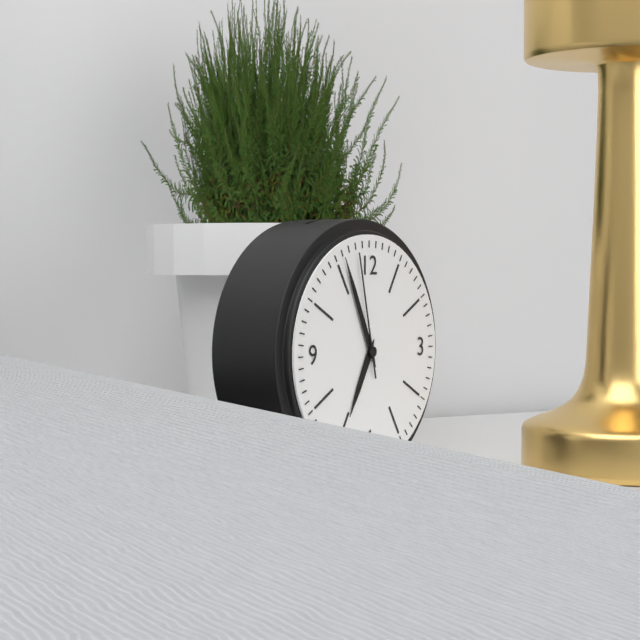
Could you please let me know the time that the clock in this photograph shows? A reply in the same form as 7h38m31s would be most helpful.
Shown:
6h56m58s
